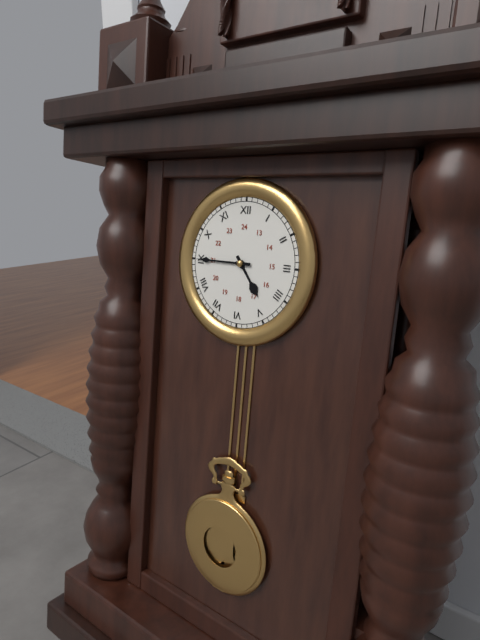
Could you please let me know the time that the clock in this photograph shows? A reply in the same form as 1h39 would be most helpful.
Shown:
4h45
